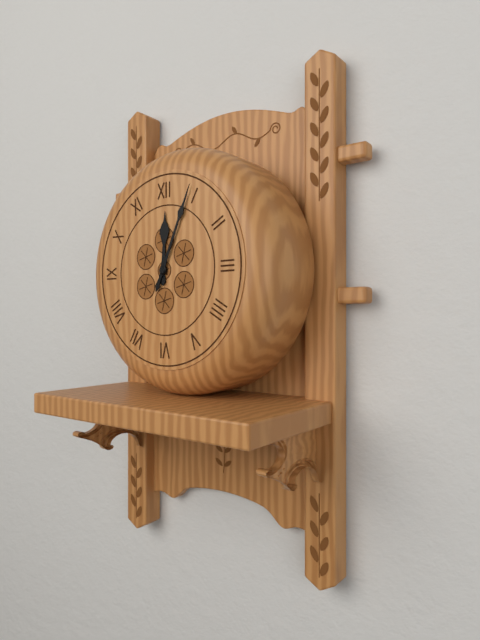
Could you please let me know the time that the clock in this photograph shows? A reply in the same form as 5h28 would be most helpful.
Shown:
12h04
